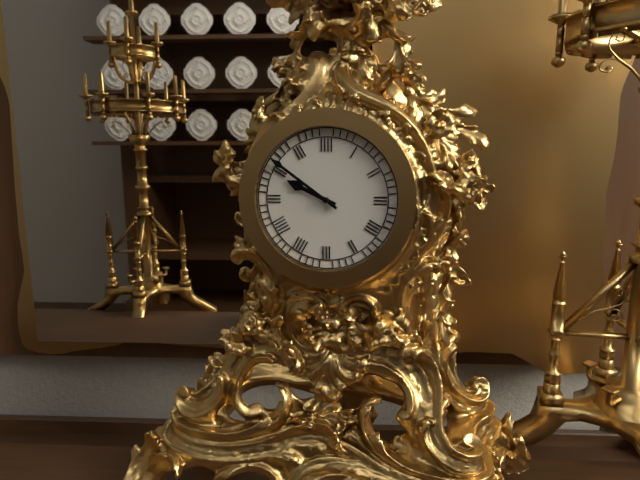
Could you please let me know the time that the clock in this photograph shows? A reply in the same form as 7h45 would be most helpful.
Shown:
9h51
